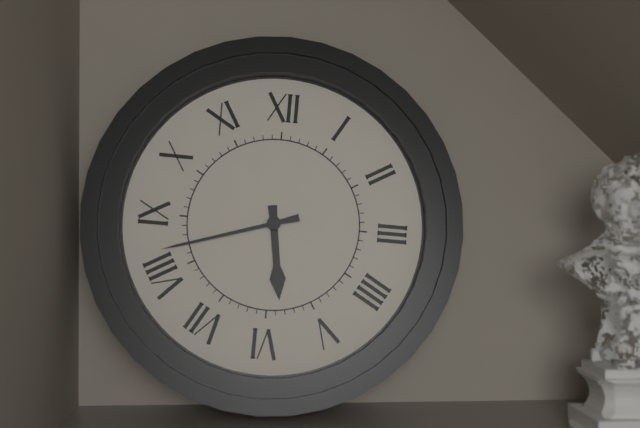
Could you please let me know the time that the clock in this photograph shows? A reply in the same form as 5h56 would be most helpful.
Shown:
5h42
